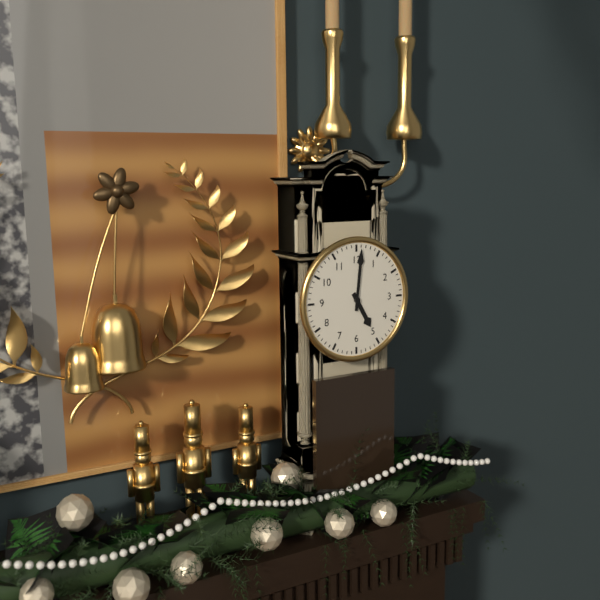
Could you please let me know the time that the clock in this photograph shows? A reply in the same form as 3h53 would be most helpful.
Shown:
5h01
